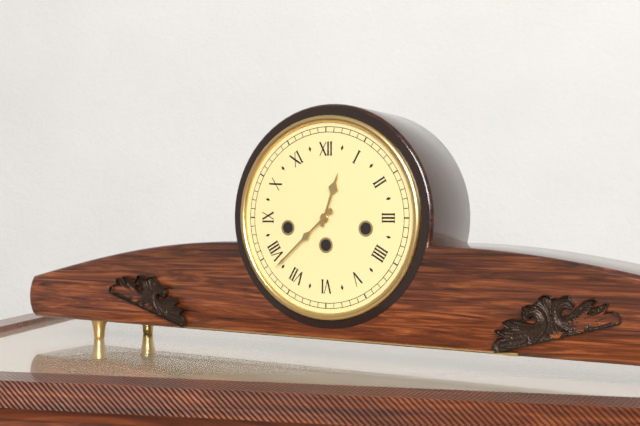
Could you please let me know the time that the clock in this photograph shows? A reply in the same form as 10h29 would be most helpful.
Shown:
12h38
